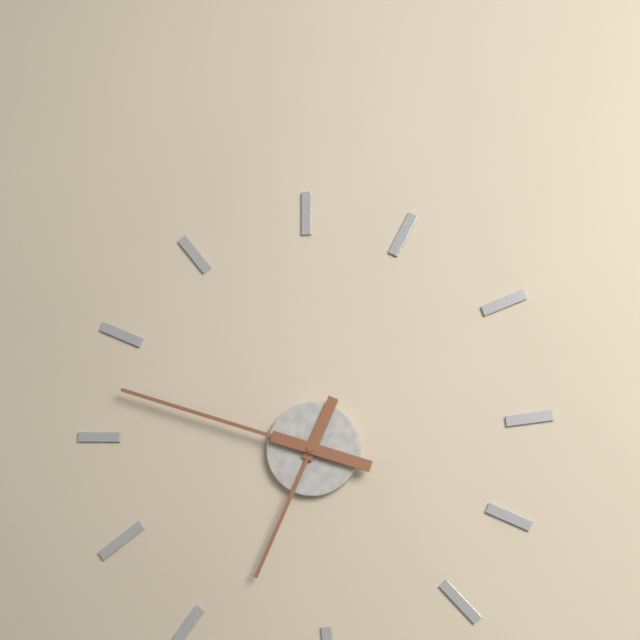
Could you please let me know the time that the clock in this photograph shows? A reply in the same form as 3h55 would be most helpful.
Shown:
6h48
